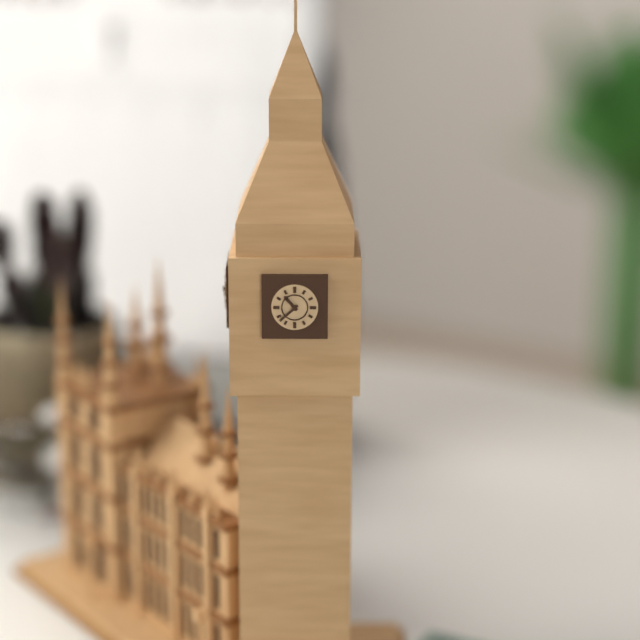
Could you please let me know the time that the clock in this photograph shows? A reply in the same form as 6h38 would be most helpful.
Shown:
10h38
